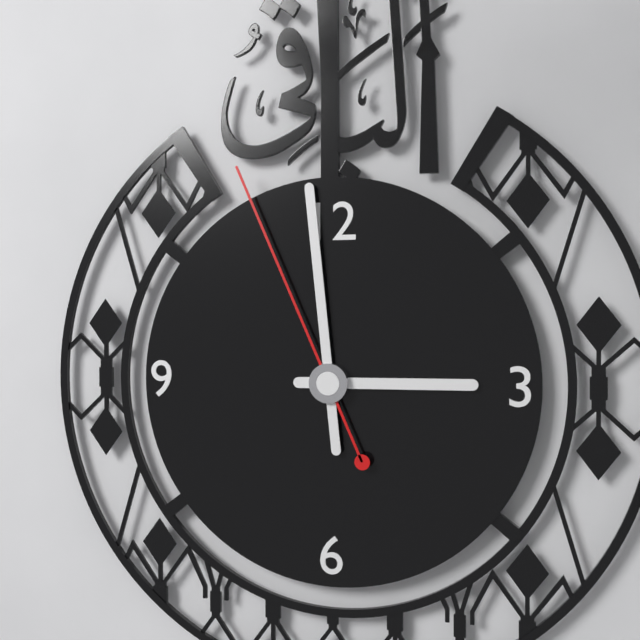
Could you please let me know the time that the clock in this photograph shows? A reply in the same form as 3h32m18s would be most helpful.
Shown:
2h59m56s
